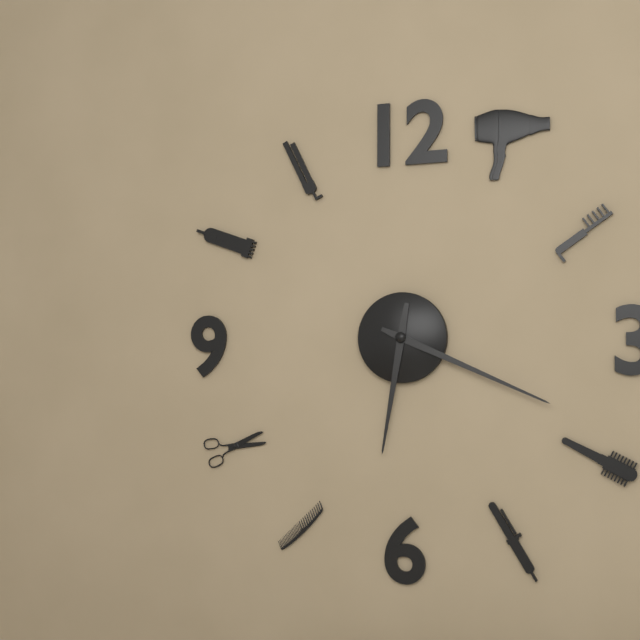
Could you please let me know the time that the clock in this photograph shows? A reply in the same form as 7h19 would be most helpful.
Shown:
6h19
